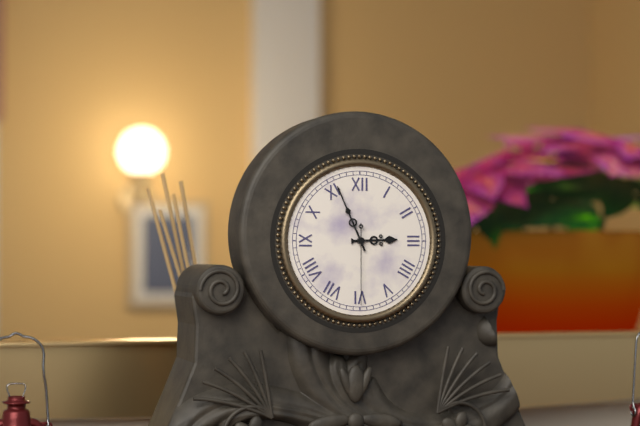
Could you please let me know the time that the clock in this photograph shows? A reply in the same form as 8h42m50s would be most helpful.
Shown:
2h56m30s
